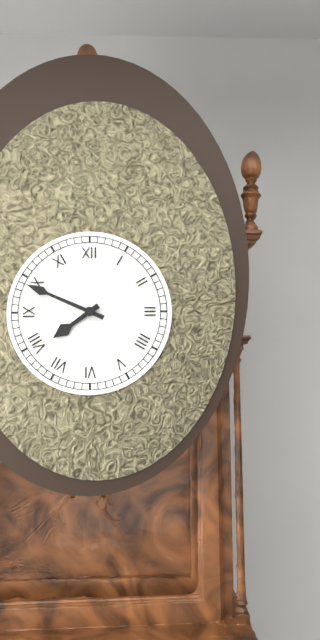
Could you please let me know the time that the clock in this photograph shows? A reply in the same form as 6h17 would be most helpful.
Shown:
7h49
